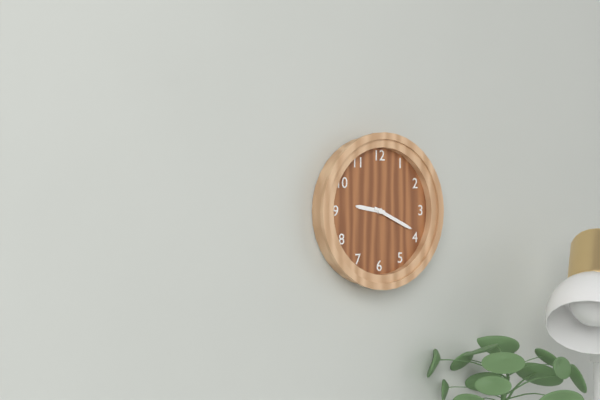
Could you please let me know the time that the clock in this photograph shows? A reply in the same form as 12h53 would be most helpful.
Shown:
9h19
